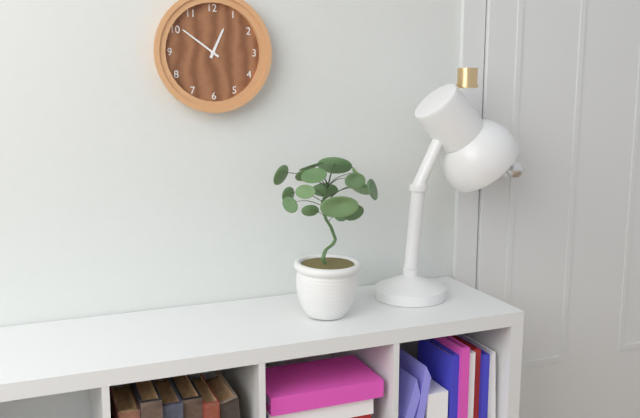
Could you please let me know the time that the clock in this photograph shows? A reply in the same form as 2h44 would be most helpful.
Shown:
12h51
